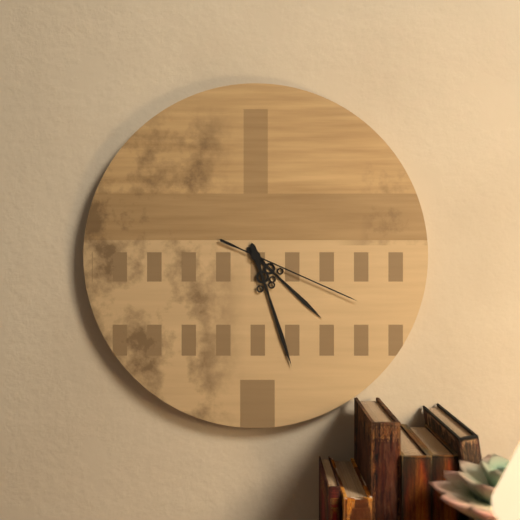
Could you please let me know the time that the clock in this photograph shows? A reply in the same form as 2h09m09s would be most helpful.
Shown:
4h27m19s
